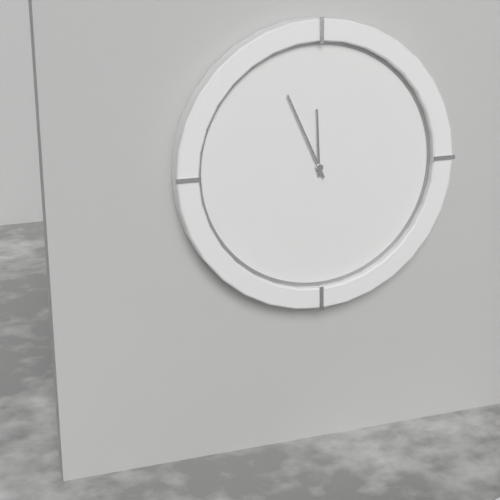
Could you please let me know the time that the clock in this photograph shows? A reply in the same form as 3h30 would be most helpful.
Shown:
11h56
